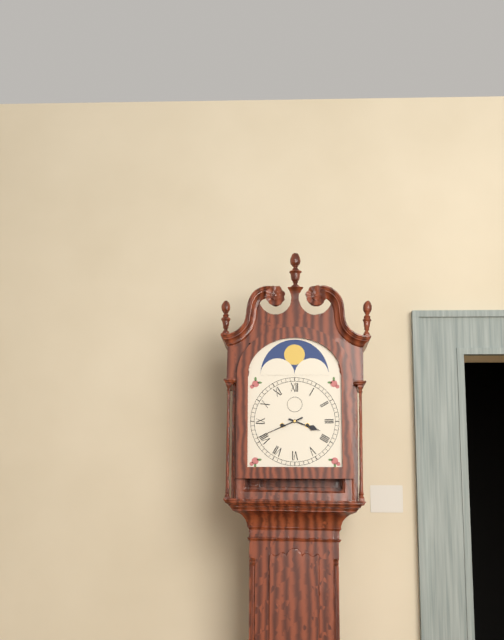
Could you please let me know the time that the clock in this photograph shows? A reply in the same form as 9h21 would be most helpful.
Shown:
3h41
